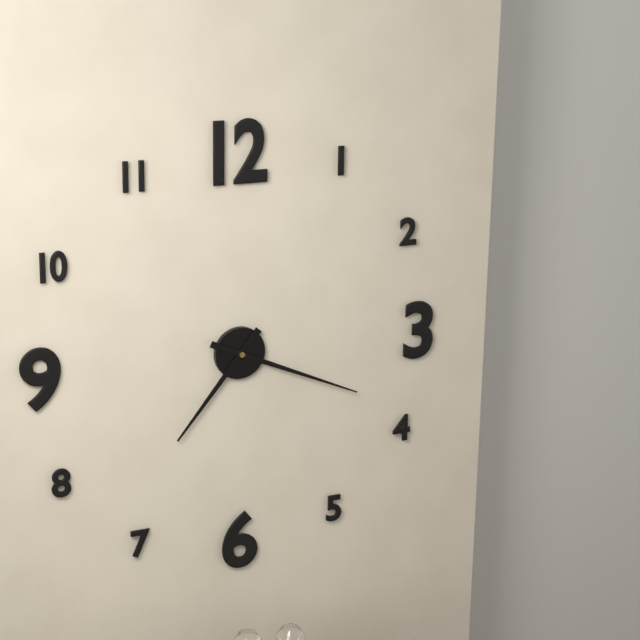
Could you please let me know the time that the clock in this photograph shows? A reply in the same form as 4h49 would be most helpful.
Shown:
7h19
